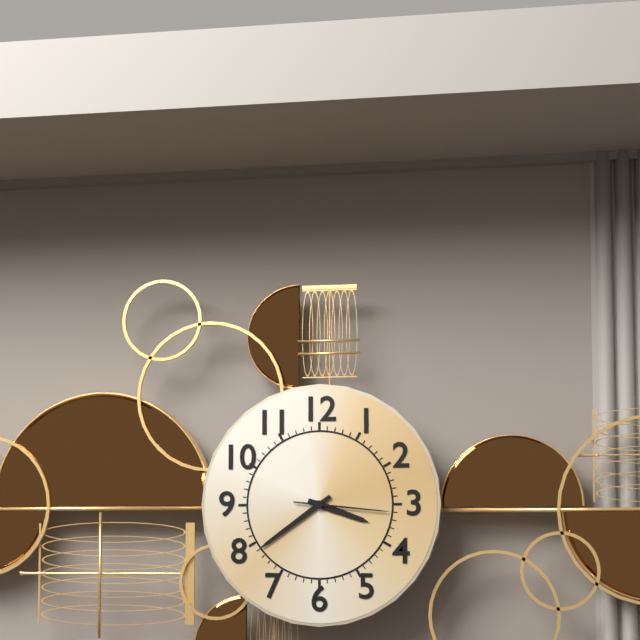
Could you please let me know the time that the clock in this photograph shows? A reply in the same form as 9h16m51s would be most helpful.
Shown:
3h39m16s
